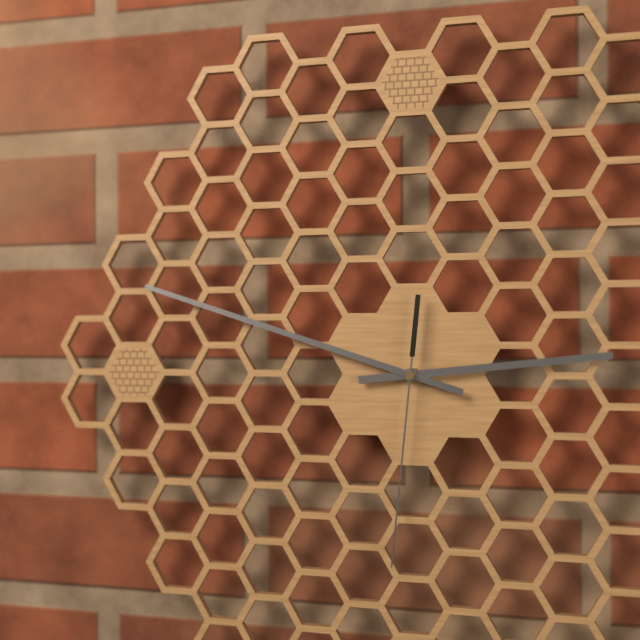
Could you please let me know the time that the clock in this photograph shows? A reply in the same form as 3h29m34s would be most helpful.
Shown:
2h48m31s
